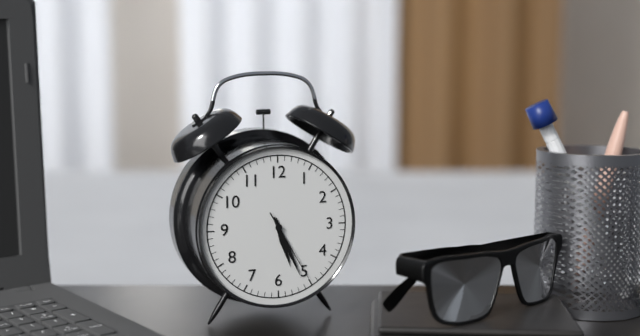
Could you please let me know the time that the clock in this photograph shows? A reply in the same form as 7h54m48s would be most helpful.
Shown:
5h26m25s
